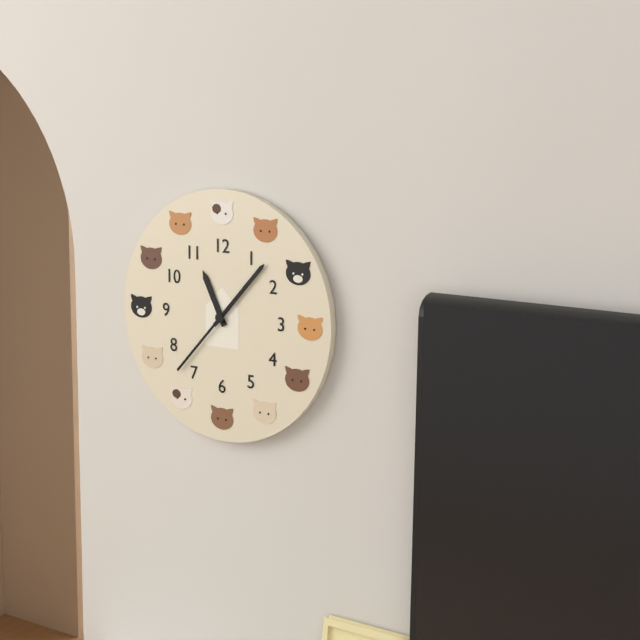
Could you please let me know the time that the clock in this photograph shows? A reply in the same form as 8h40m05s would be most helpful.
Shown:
11h07m37s
